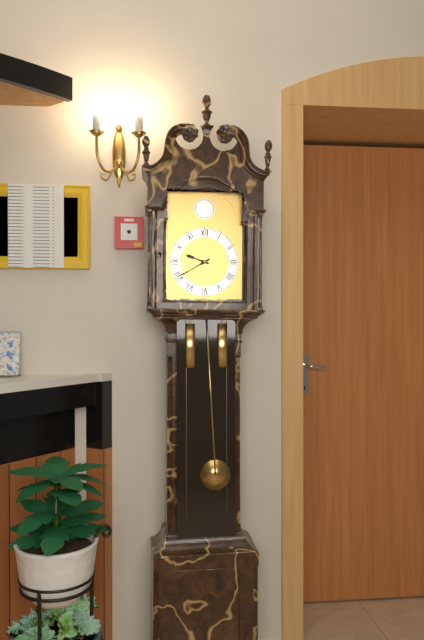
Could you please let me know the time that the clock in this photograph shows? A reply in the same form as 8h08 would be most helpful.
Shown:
9h40
